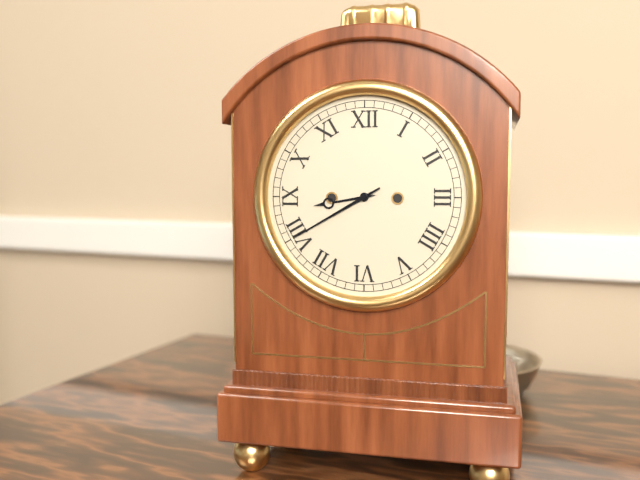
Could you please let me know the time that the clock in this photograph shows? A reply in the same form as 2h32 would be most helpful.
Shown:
8h40
